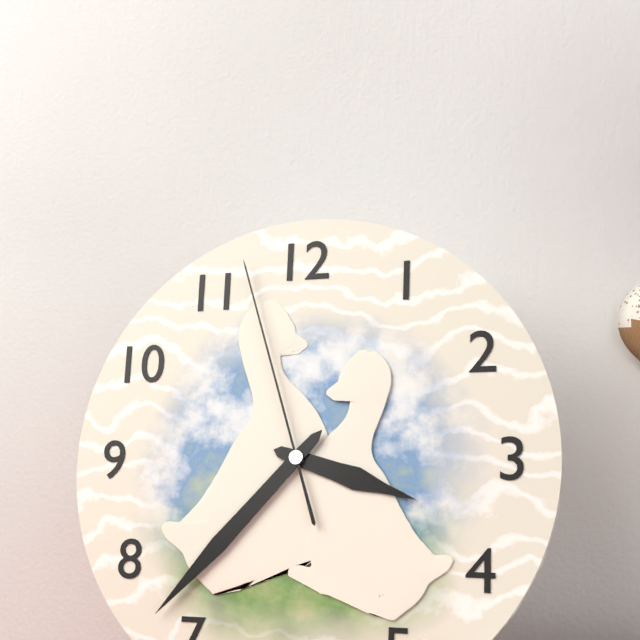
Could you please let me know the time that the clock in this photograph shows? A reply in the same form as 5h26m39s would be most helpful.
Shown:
3h37m57s
